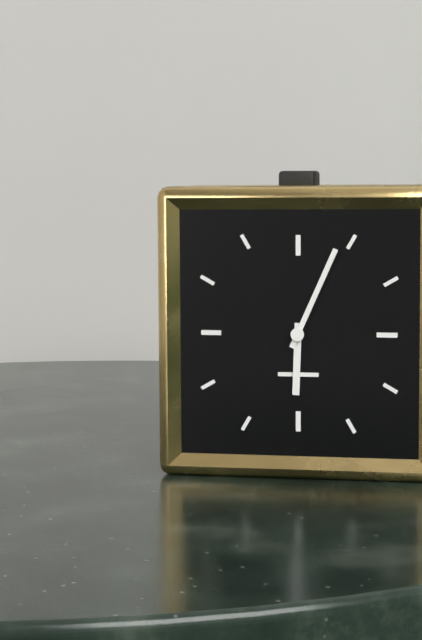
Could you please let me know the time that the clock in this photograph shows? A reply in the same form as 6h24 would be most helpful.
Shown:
6h04
